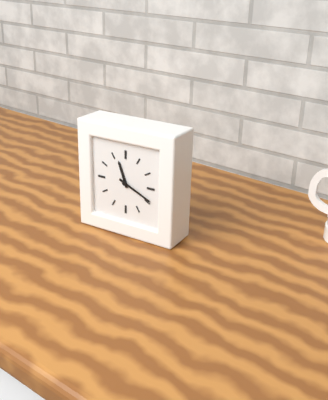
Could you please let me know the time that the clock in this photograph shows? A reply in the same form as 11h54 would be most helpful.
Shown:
11h19
